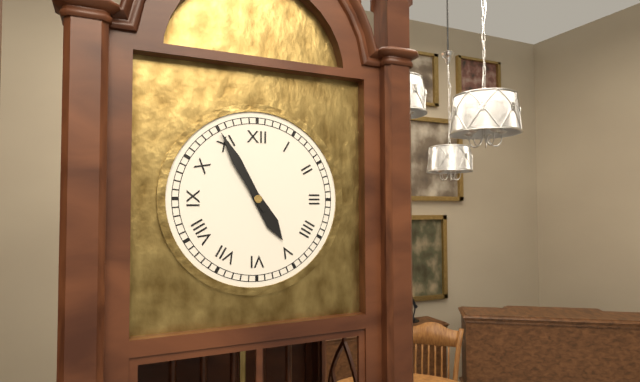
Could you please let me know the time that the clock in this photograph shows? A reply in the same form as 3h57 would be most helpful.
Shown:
4h55
